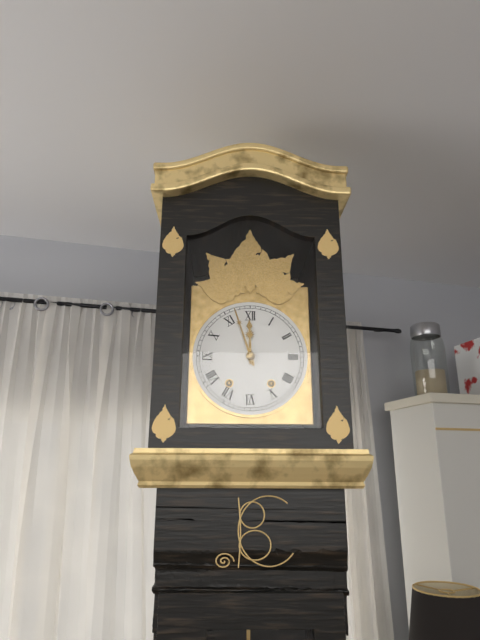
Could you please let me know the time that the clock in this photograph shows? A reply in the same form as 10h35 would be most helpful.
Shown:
11h57
